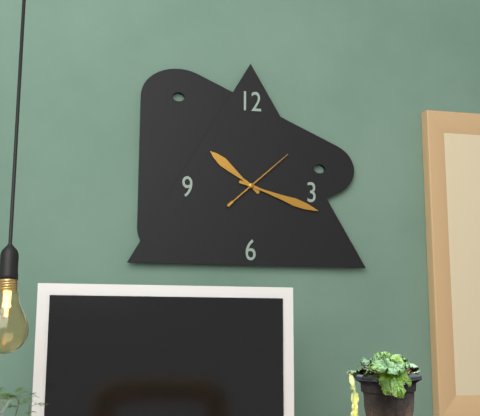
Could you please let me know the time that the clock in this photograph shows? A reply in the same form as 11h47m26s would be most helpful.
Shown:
10h18m08s
